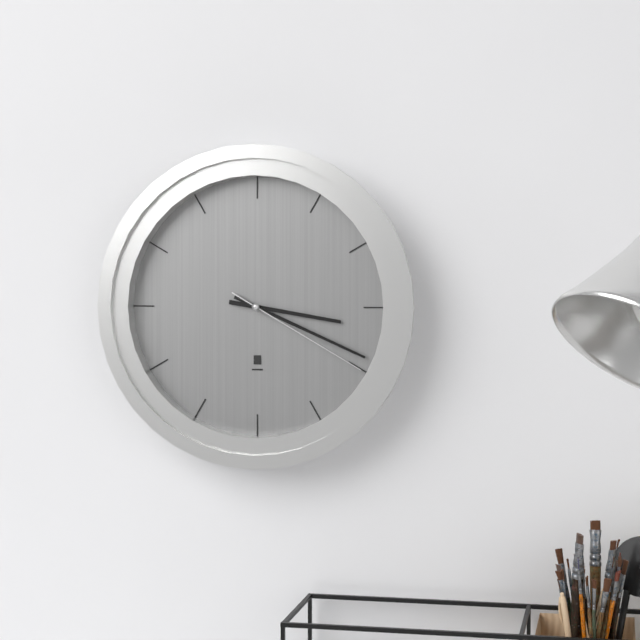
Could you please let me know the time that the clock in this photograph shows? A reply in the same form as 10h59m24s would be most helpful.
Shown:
3h19m20s
